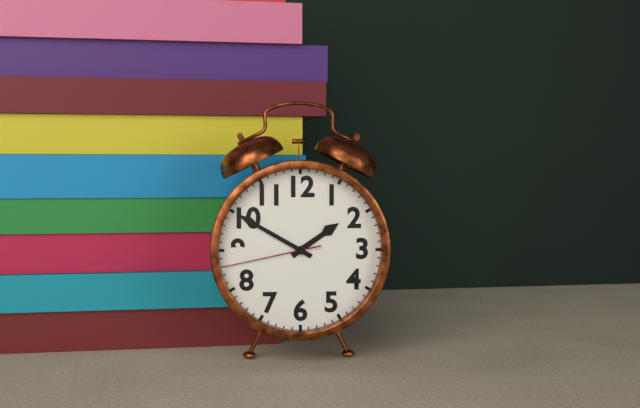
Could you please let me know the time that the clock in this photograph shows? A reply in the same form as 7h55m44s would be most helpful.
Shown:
1h50m43s
